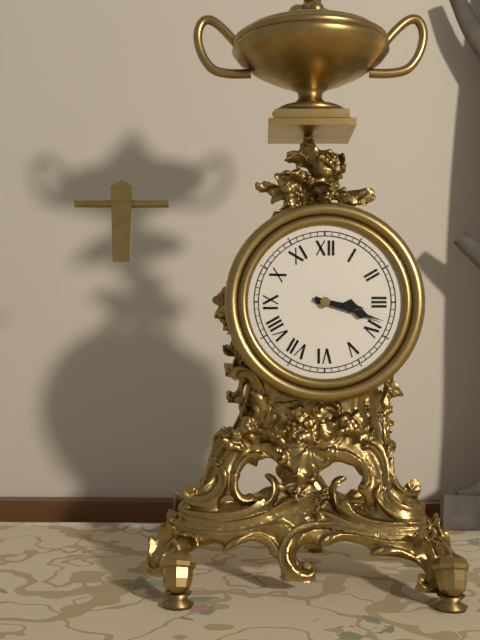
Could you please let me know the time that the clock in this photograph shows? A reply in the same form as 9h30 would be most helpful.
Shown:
3h18
